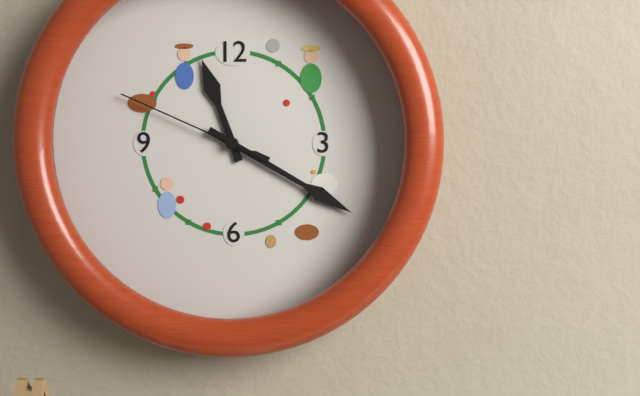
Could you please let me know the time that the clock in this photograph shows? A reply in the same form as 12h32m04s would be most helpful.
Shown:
11h20m49s
